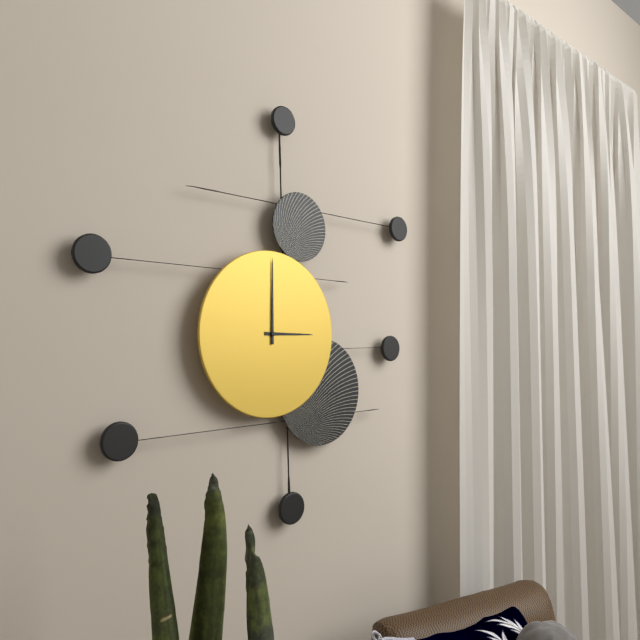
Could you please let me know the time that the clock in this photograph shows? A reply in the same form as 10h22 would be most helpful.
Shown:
3h00
